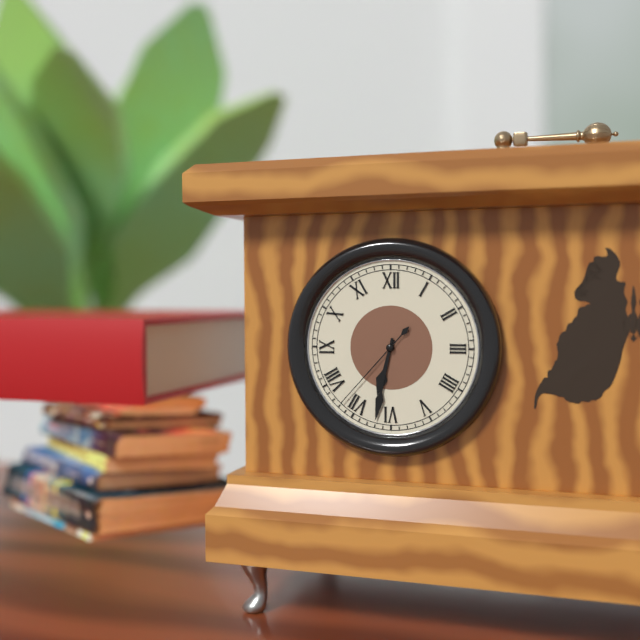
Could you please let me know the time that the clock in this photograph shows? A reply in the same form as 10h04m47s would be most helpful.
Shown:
6h32m37s
